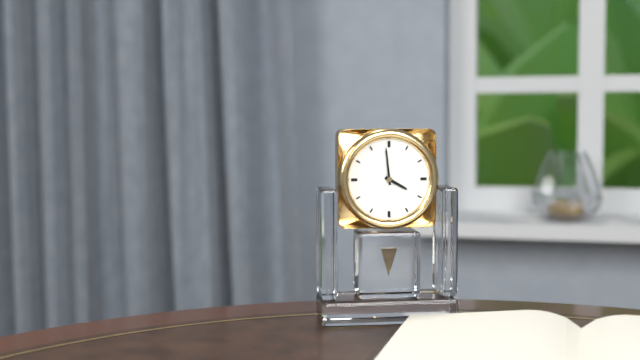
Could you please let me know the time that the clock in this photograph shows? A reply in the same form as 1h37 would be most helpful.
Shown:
3h59
